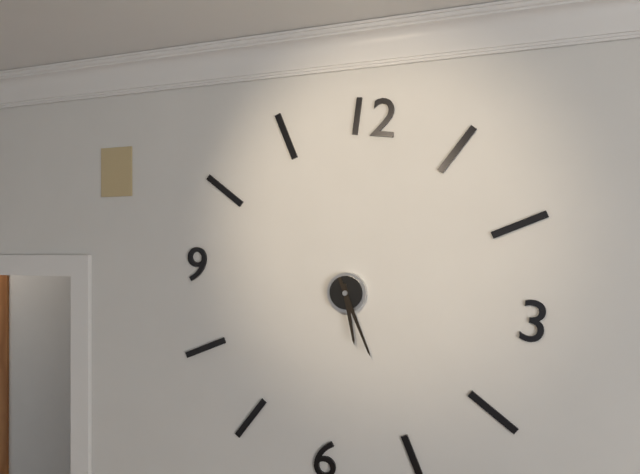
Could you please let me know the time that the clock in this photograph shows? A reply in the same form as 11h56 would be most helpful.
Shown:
5h25
